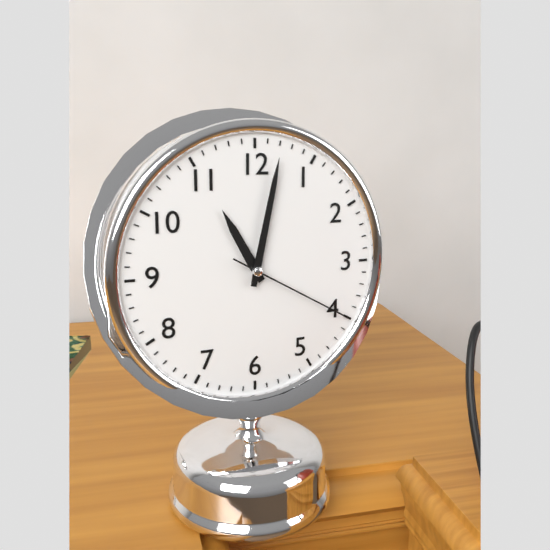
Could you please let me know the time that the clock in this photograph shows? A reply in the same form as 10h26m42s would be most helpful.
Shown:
11h02m20s
